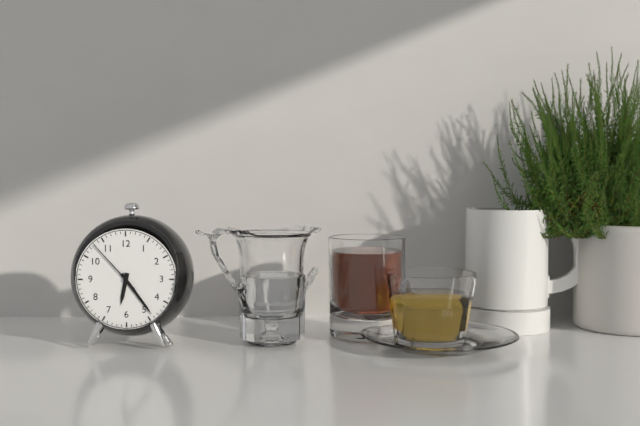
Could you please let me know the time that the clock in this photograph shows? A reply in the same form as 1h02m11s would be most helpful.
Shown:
6h24m53s
